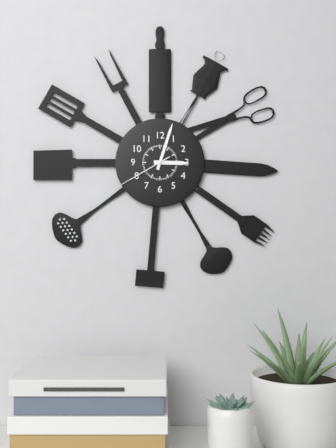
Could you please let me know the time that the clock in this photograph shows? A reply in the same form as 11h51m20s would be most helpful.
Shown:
3h03m40s
